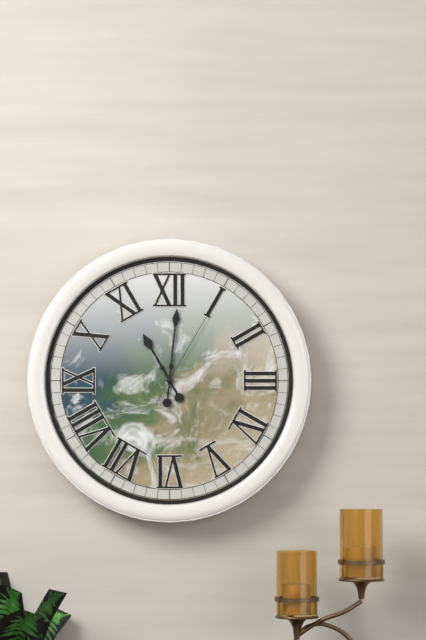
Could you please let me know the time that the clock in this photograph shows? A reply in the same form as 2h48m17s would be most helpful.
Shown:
11h01m05s
